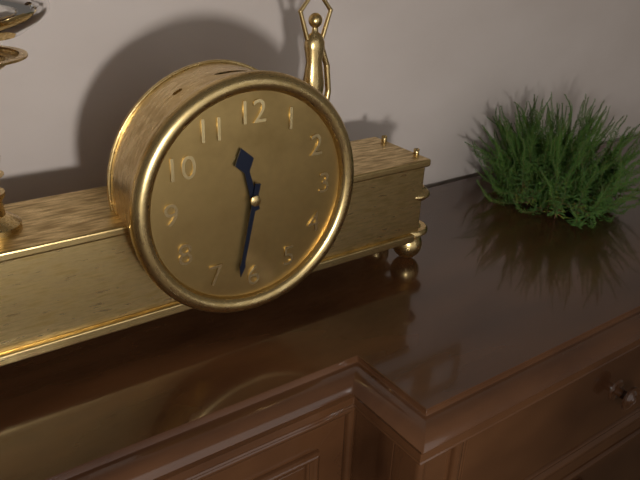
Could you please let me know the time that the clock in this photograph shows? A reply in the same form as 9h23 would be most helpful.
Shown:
11h32
